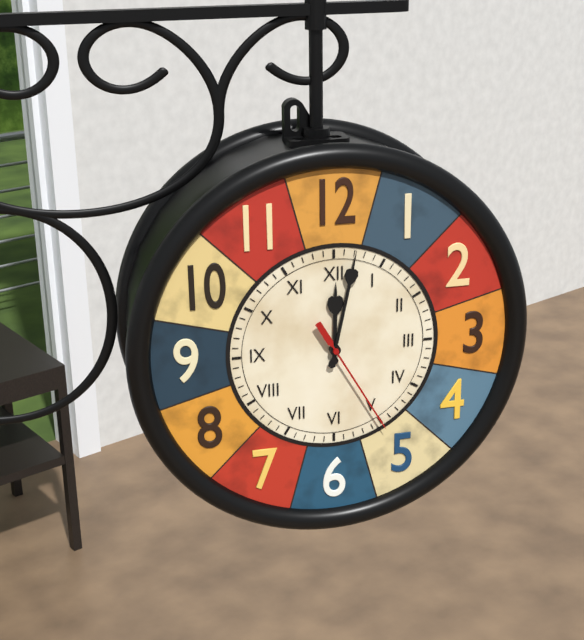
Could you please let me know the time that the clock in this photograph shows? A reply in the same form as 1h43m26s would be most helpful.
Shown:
12h02m25s
